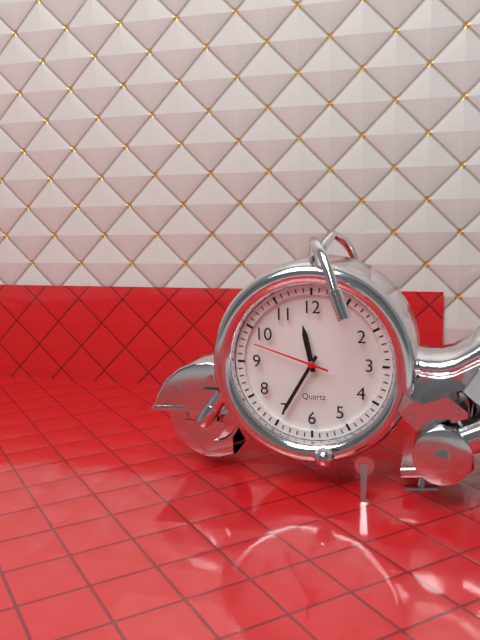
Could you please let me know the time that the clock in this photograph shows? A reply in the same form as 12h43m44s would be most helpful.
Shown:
11h35m48s
